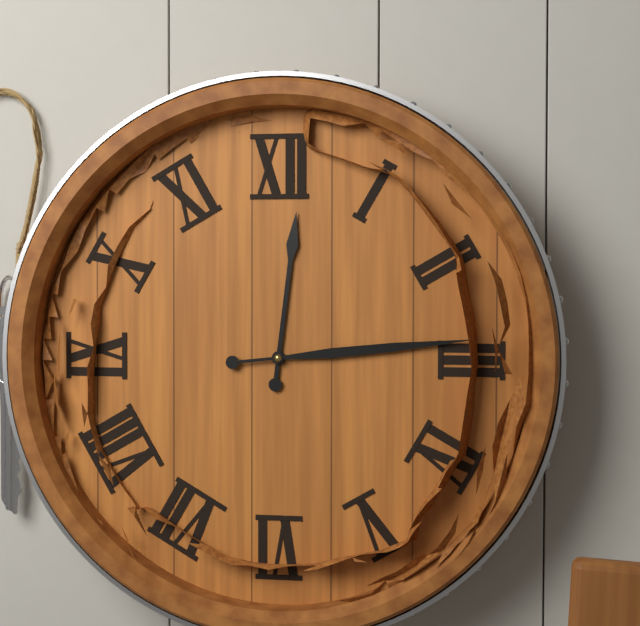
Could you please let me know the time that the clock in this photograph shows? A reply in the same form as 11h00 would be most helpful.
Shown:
12h14
